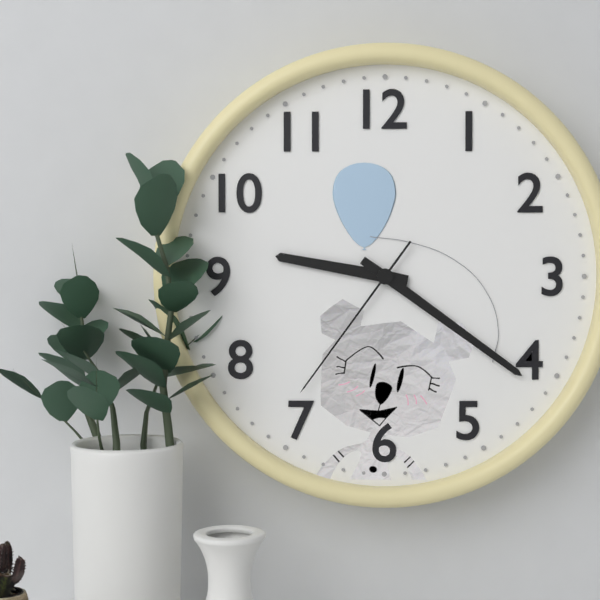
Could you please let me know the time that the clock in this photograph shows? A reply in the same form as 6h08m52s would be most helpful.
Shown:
9h21m36s
